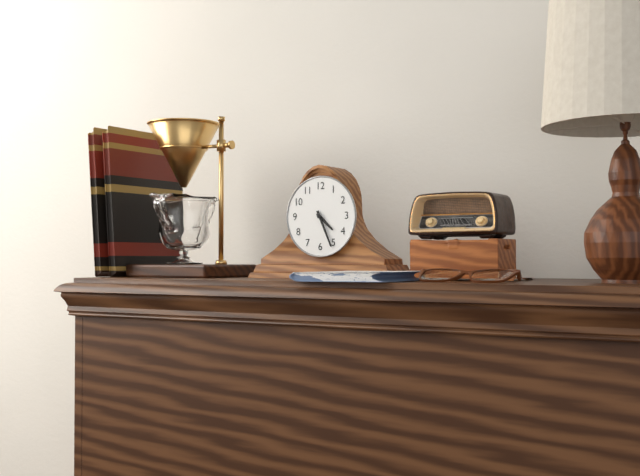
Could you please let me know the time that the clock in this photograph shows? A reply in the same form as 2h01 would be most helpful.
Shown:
4h26
